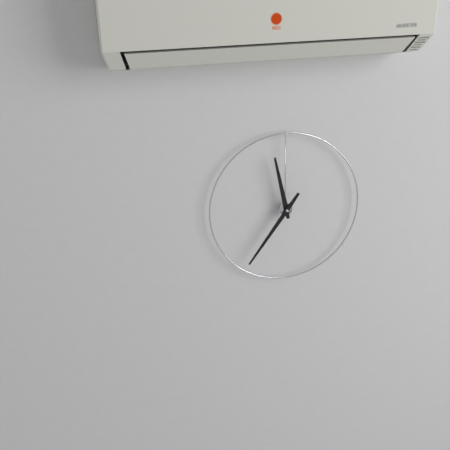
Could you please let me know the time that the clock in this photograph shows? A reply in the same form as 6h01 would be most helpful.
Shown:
11h36
